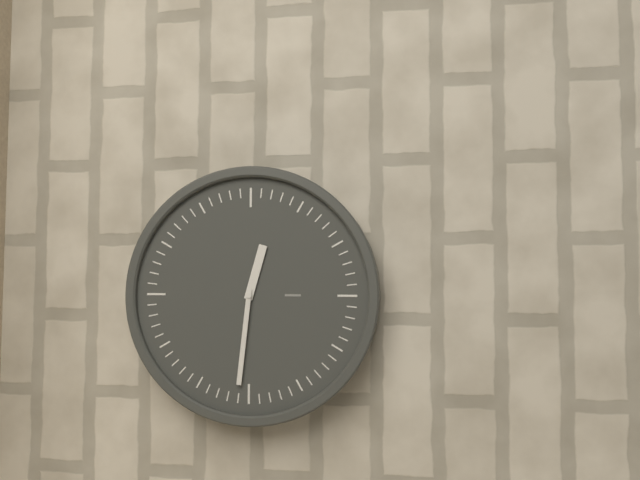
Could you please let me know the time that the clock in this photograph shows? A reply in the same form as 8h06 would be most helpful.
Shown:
12h31
